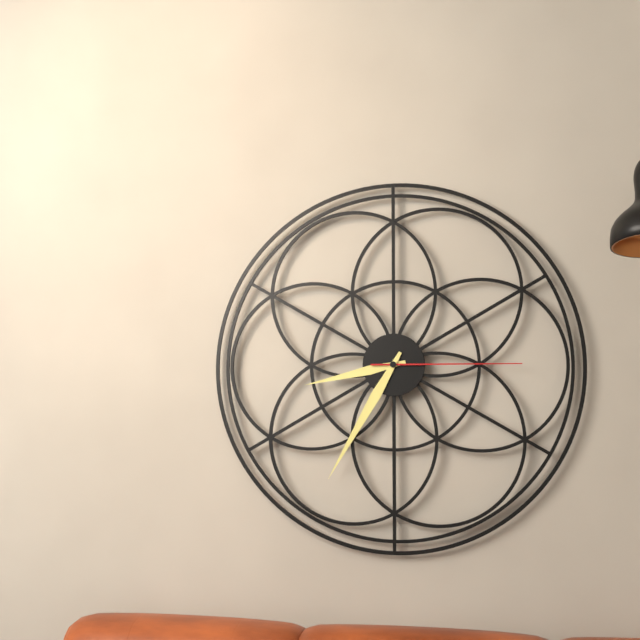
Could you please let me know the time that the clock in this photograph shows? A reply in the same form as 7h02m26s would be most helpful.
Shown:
8h35m15s
